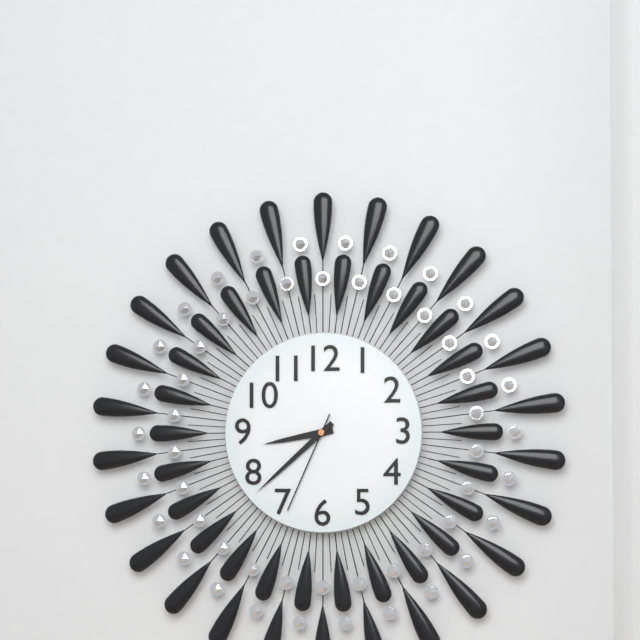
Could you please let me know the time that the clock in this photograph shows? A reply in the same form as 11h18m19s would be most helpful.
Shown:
8h38m34s
